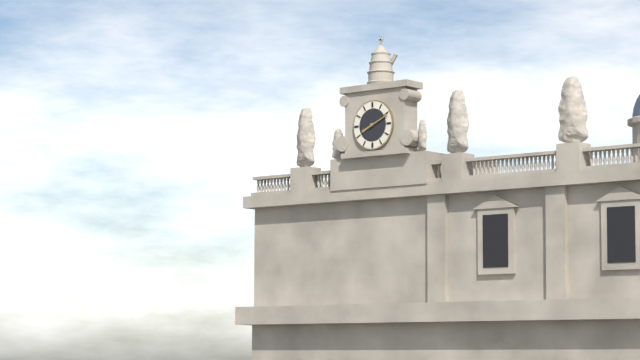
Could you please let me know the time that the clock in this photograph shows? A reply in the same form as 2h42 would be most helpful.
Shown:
8h11
